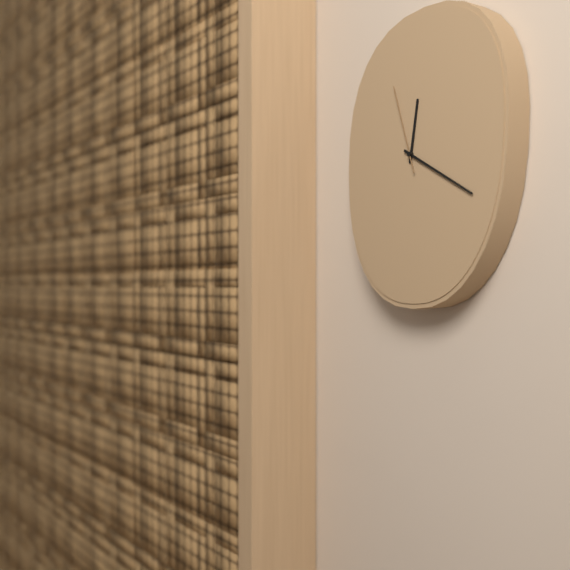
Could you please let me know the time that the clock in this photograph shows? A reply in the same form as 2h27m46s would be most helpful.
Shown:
12h20m57s
